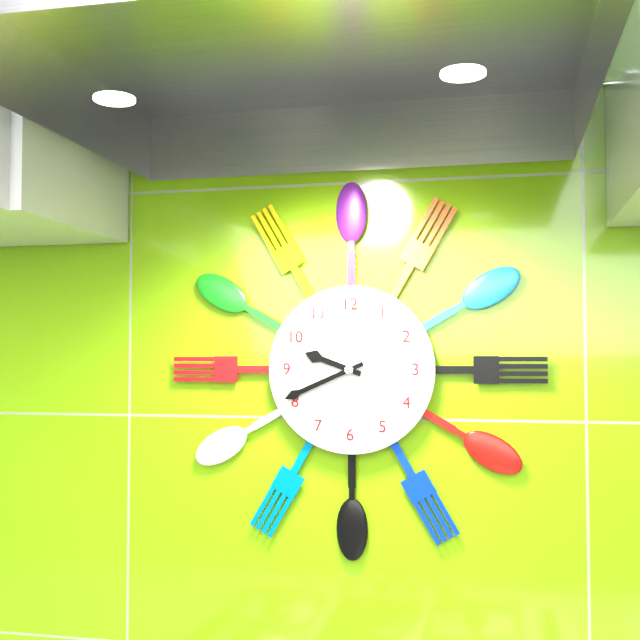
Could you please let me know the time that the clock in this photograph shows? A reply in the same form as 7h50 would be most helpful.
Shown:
9h41
